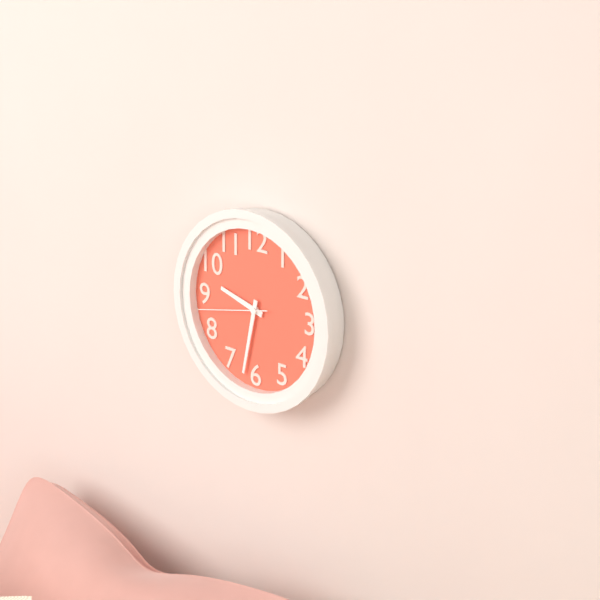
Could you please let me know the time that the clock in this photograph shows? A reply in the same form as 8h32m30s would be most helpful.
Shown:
9h32m43s
